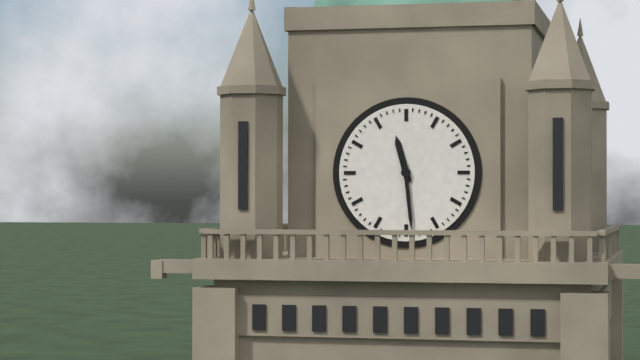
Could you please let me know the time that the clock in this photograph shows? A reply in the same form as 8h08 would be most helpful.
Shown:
11h29
